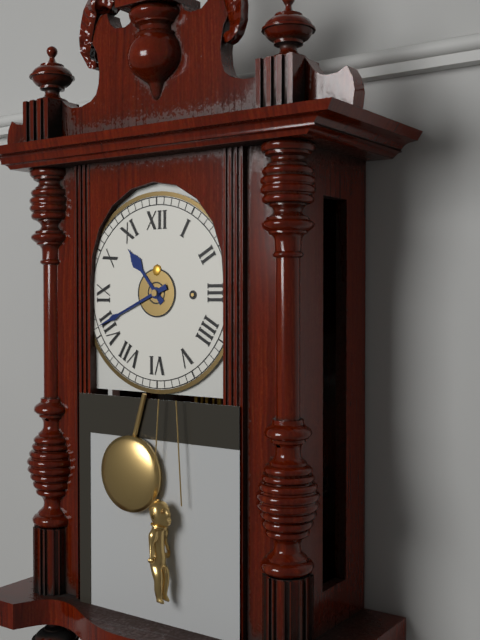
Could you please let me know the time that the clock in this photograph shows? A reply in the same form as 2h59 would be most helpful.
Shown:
10h41
